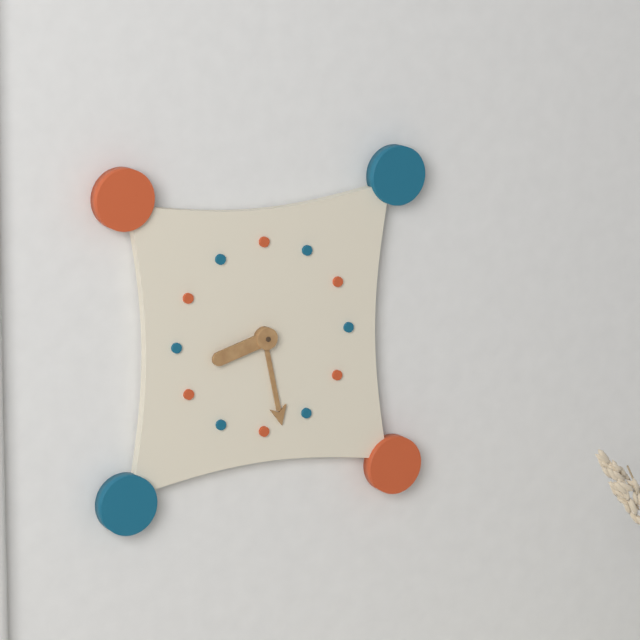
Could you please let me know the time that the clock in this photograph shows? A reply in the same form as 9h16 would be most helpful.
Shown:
8h28
